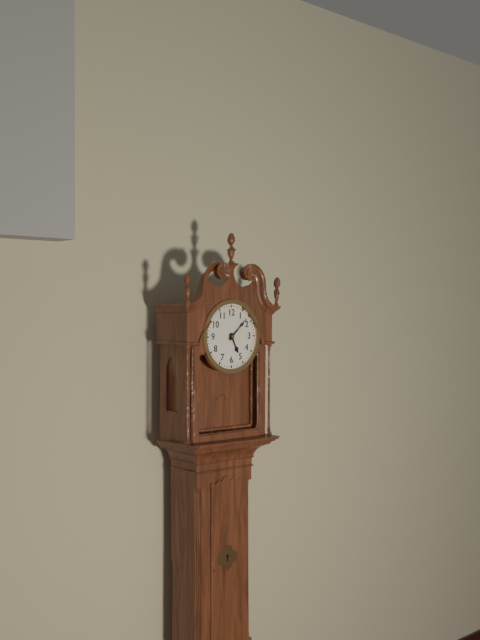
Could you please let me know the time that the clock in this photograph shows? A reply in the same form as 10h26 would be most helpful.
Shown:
5h08
